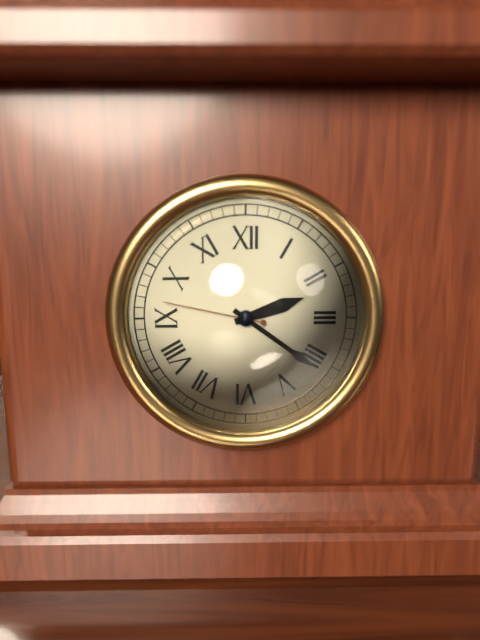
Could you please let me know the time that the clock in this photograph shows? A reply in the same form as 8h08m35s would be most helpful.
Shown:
2h21m47s
